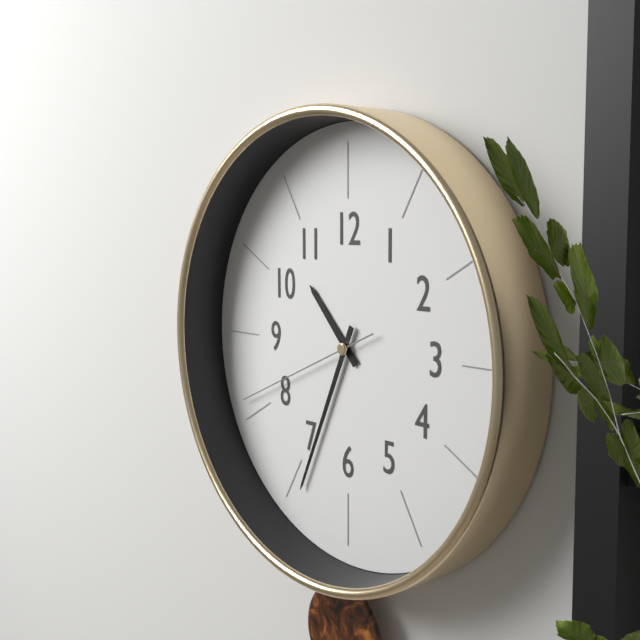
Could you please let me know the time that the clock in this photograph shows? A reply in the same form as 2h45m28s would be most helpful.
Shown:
10h34m41s
